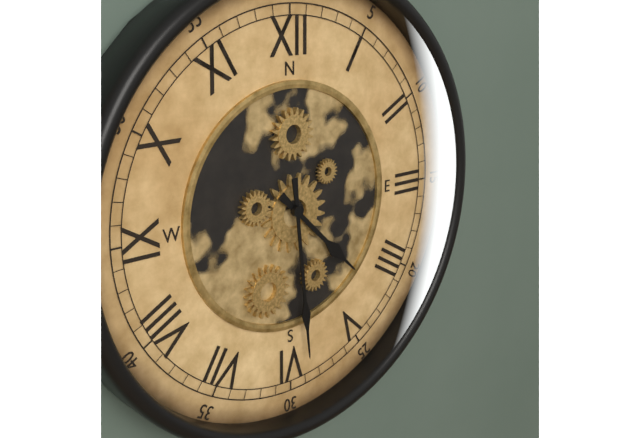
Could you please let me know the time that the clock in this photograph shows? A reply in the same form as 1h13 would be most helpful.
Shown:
4h29
